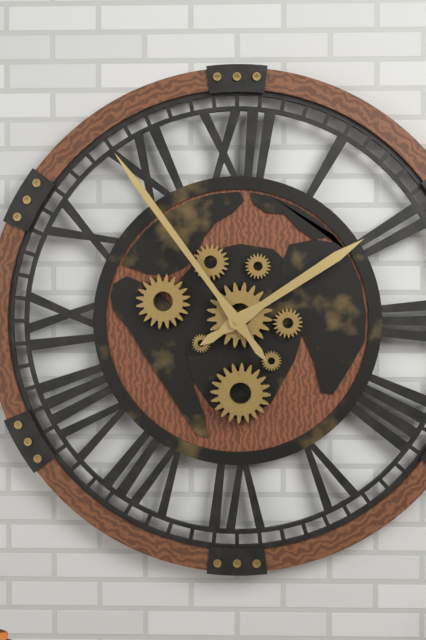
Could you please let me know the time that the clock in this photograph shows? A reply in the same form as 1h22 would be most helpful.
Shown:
1h54
